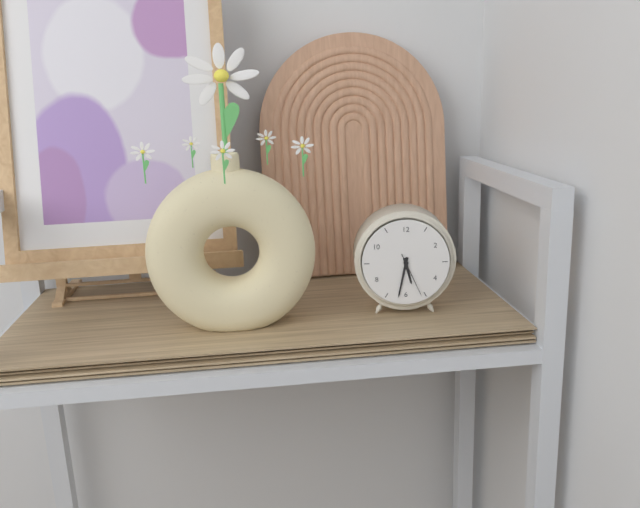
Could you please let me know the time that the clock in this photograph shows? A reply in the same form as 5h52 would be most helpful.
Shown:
5h32
